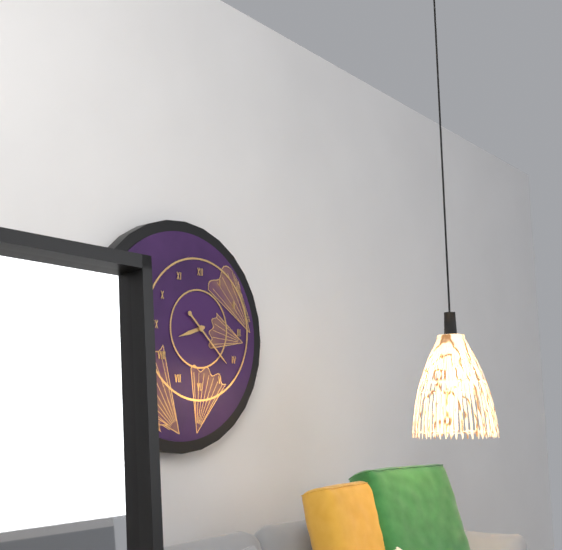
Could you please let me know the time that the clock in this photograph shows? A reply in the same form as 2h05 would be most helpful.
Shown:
8h22
